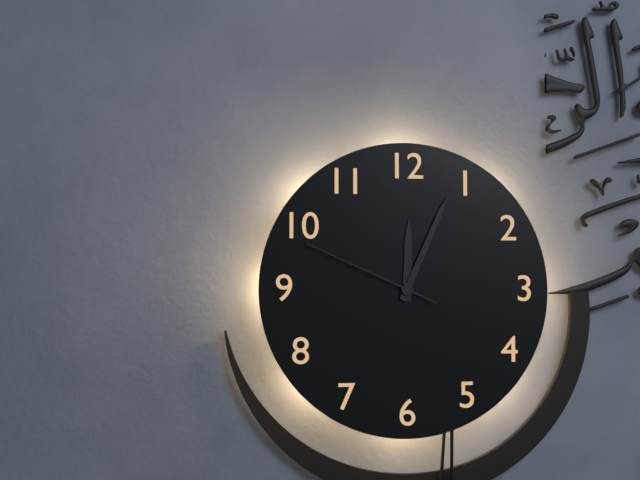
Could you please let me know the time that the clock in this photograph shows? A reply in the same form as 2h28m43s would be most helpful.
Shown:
12h04m49s
